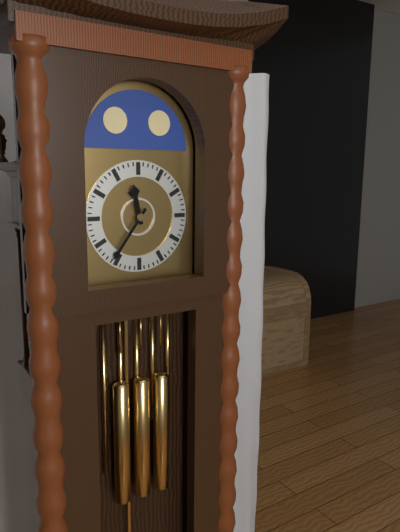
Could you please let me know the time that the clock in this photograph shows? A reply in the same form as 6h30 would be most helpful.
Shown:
11h36
